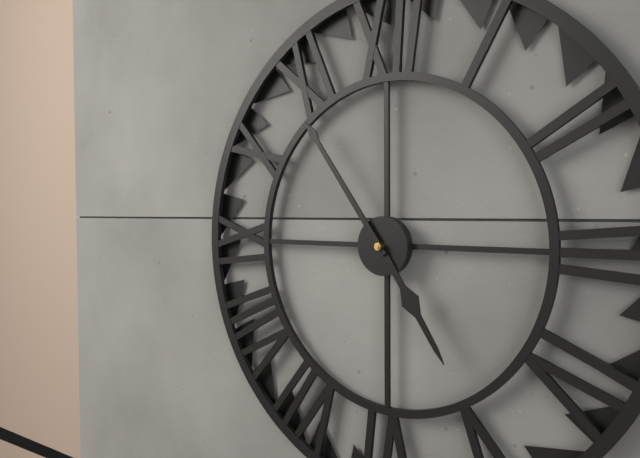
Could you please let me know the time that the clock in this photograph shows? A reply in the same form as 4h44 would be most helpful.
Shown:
4h54
